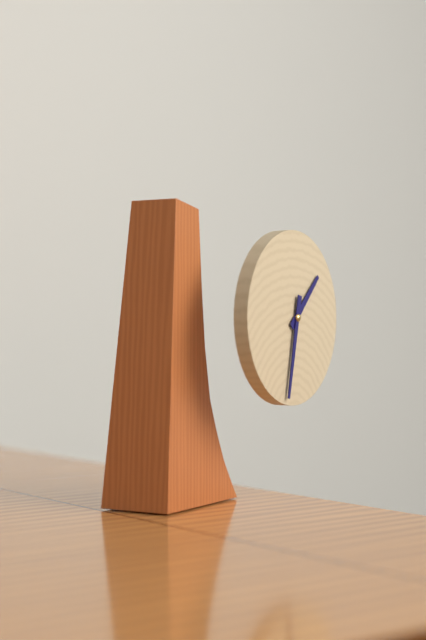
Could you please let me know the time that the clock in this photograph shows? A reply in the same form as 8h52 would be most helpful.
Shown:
1h32
